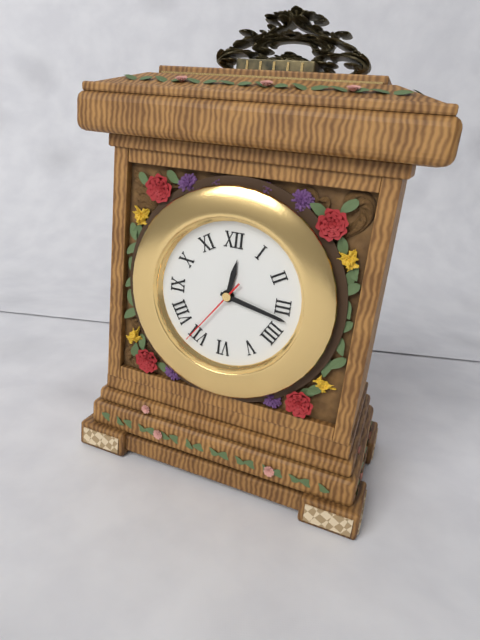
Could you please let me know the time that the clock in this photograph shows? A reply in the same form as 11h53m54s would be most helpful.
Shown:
12h17m36s
